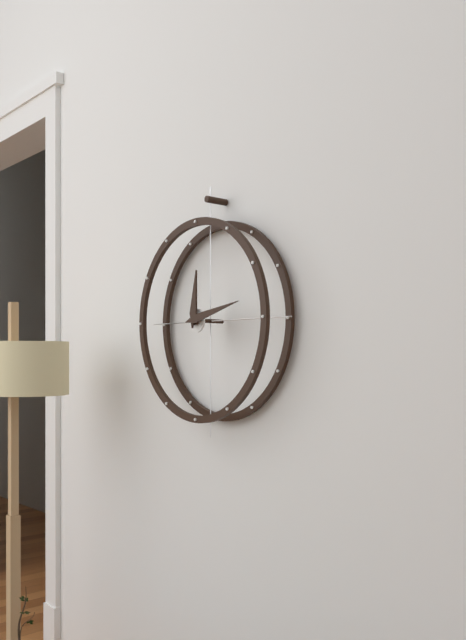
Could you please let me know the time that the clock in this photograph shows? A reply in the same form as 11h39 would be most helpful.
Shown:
12h13
